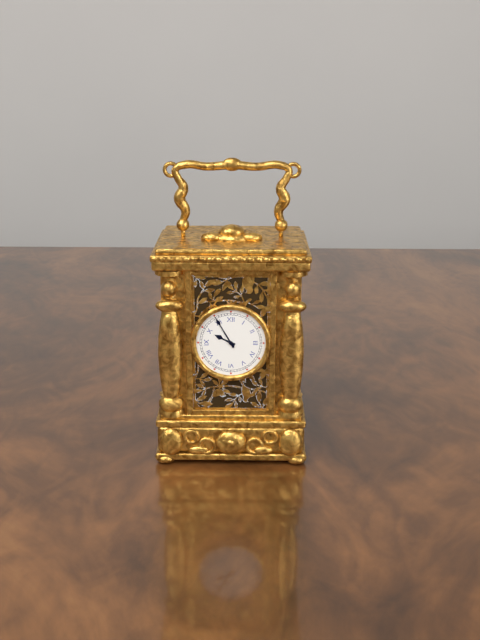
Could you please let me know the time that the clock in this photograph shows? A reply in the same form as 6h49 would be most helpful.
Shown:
9h55
